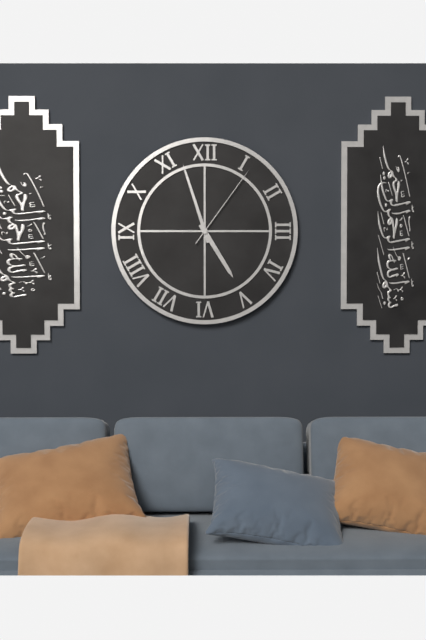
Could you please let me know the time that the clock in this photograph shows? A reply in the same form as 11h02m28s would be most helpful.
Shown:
4h57m06s
